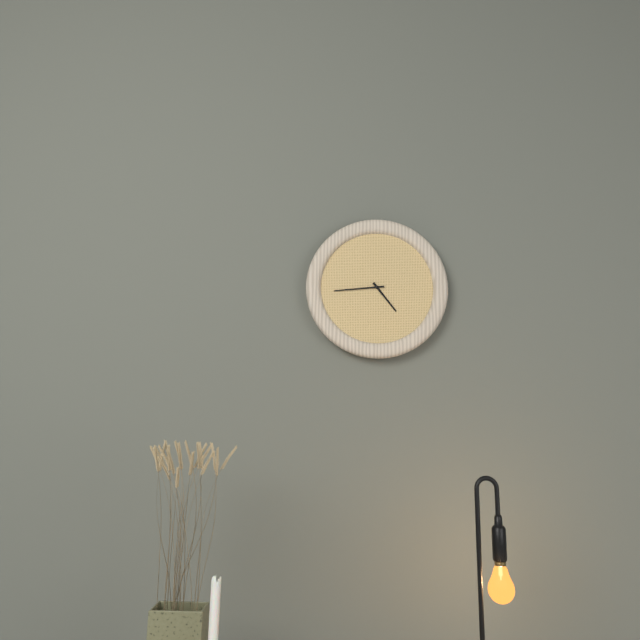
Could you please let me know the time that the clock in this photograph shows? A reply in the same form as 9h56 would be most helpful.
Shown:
4h44
